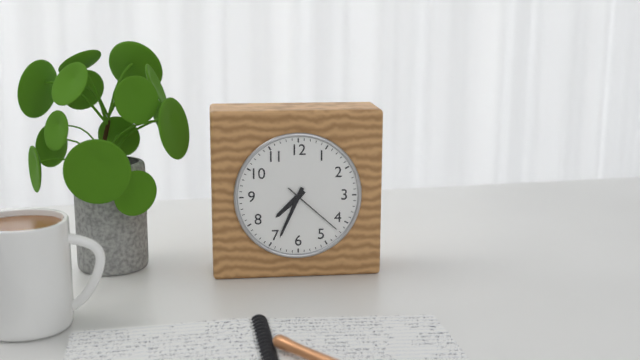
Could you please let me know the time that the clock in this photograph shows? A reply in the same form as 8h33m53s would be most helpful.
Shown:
7h34m22s
